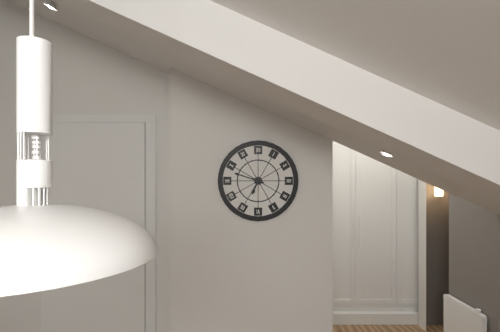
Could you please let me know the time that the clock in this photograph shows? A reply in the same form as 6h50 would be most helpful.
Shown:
6h48
